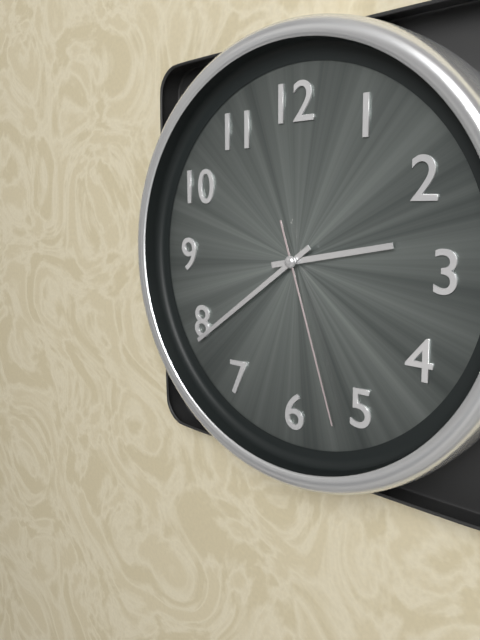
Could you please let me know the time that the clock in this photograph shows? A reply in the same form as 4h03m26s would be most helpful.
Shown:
2h39m27s
